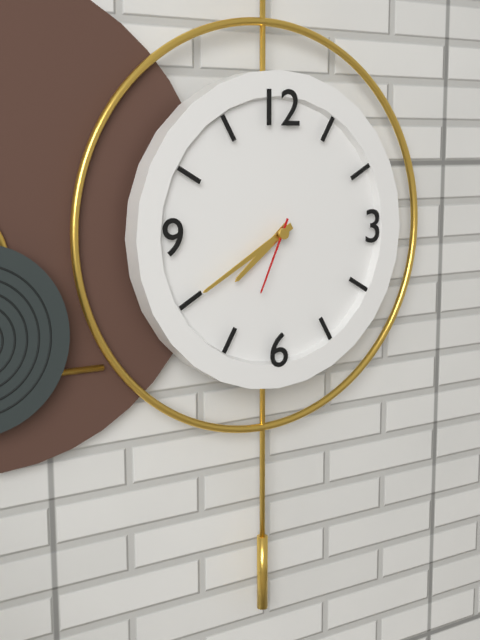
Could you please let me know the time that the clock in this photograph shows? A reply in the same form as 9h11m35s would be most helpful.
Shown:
7h40m34s
